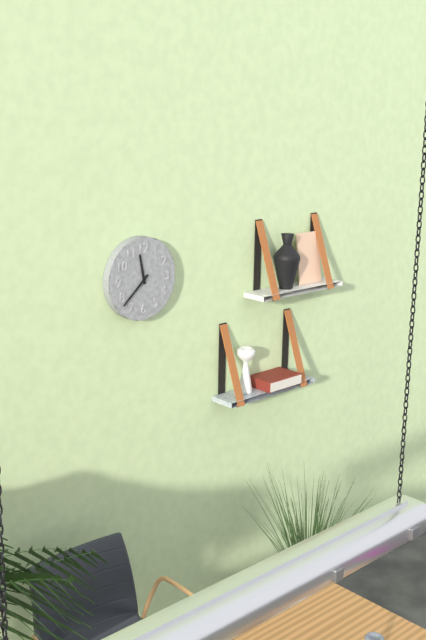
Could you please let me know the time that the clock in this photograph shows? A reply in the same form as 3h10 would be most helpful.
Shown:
11h38
